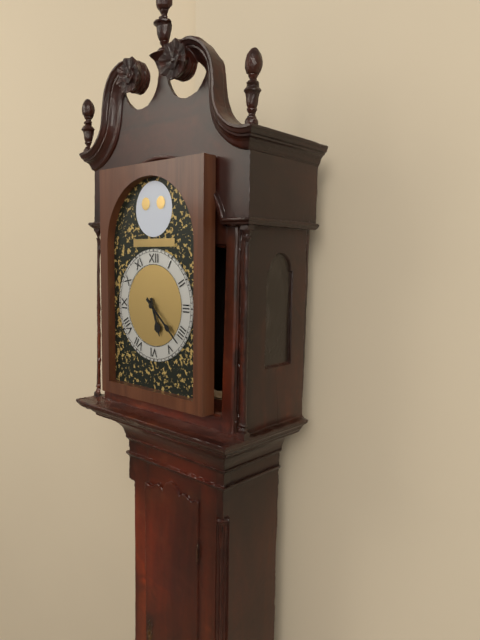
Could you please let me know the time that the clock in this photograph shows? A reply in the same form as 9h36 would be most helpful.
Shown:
5h22
